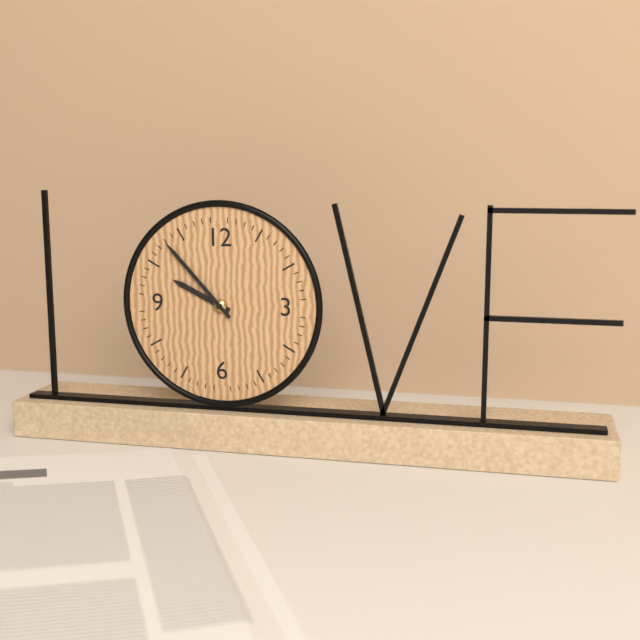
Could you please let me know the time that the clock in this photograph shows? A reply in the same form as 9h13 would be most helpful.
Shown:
9h53
